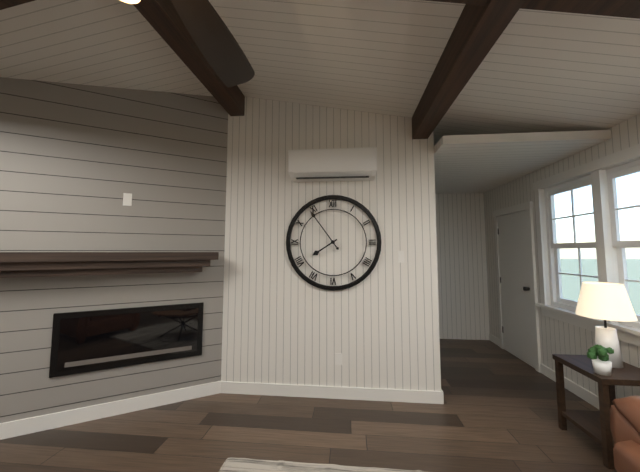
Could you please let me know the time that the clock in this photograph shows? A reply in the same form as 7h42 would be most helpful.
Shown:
7h54
